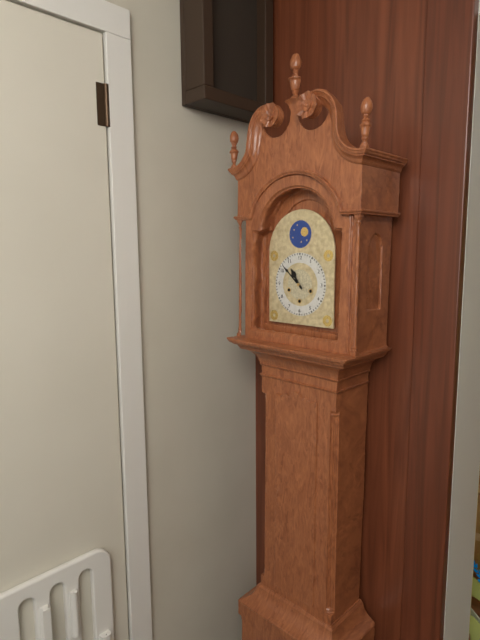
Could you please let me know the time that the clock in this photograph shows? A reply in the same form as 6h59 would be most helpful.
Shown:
10h52
